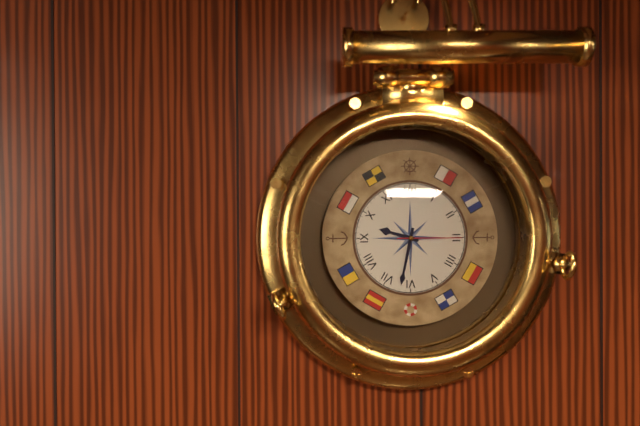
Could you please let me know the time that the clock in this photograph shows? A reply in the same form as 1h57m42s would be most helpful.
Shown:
9h32m15s
